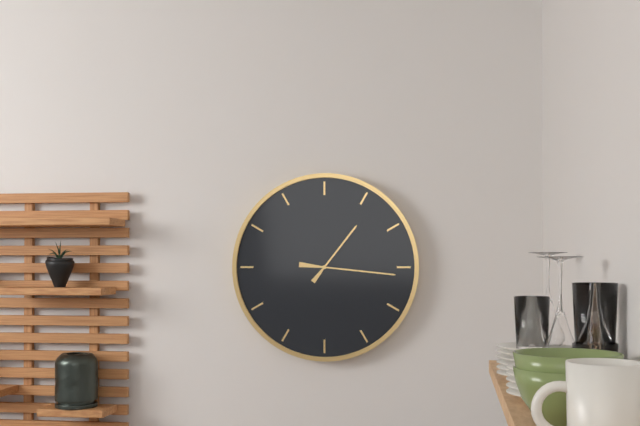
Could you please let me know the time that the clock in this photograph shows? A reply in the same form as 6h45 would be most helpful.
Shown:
1h16
